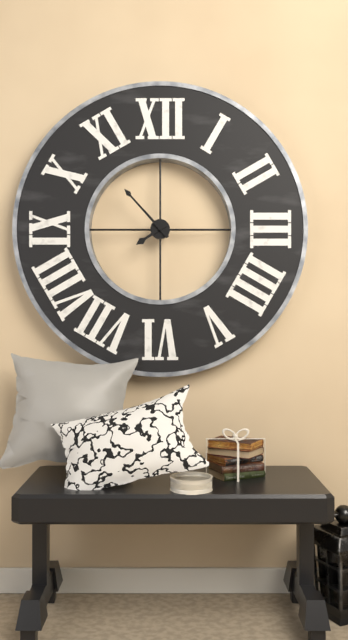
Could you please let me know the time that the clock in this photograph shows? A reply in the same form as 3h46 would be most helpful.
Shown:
7h53
